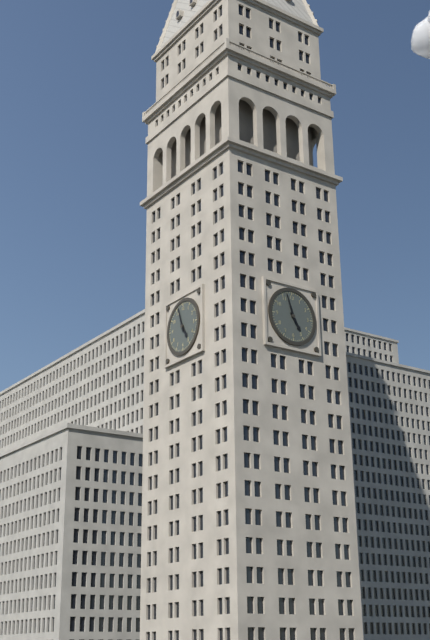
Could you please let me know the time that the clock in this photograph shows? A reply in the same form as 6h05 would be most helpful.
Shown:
4h57
